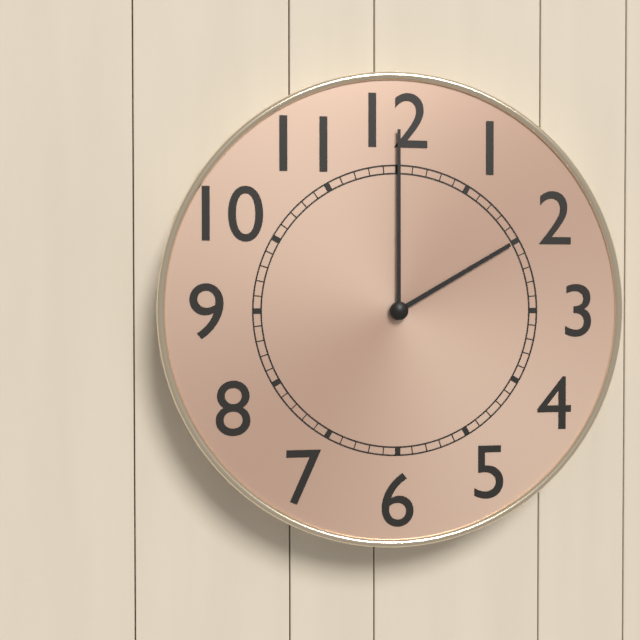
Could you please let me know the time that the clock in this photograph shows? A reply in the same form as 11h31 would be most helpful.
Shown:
2h00
